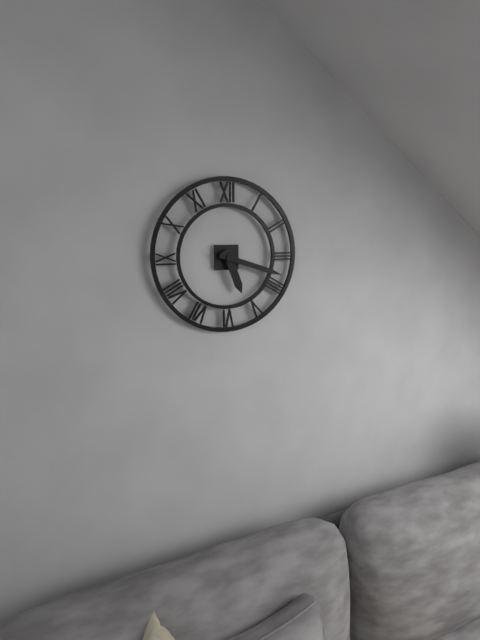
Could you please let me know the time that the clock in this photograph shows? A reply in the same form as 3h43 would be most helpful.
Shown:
5h18
